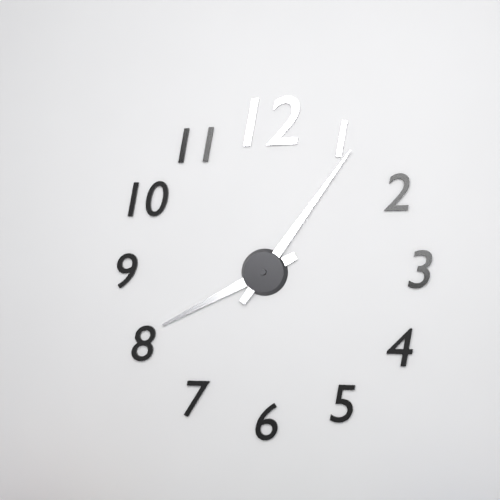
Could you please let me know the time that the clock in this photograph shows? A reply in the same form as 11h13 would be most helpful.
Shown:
8h06
